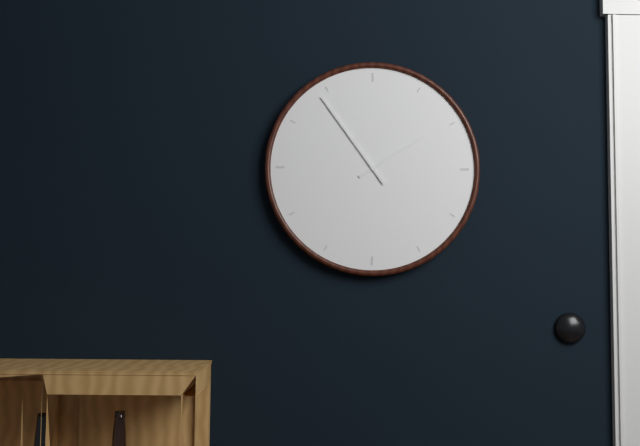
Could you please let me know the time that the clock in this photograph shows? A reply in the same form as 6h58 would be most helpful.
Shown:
1h54
